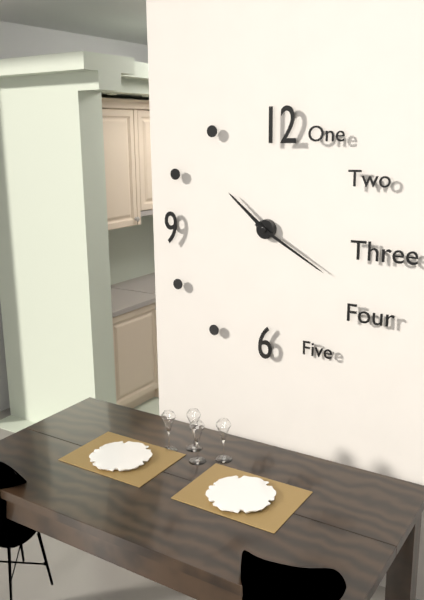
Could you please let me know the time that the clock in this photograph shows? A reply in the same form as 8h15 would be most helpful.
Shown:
10h20
